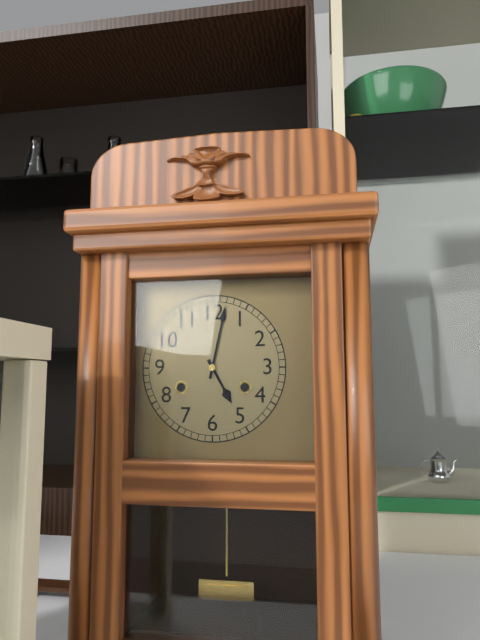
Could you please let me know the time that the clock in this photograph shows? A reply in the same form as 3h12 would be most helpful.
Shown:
5h02
